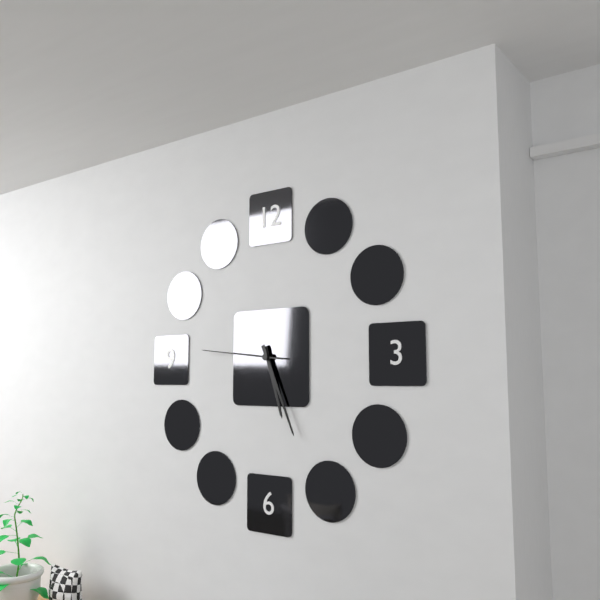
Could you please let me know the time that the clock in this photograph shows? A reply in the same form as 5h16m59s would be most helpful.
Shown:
5h26m46s
